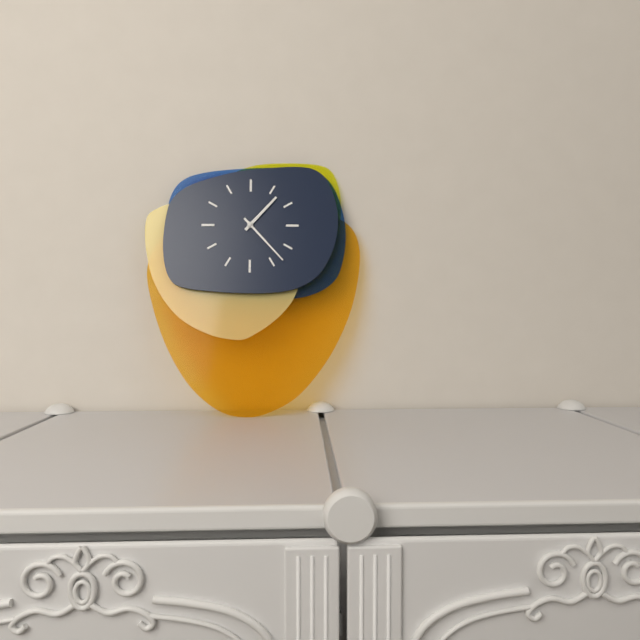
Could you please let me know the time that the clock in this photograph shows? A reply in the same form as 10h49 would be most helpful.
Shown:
1h23
